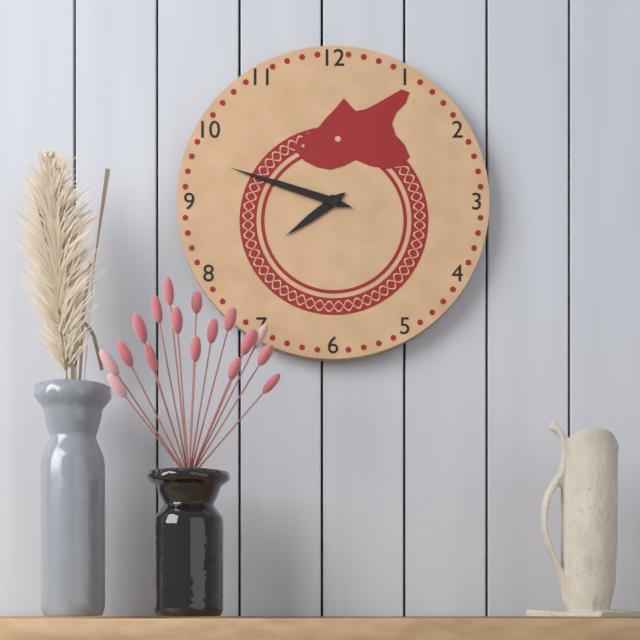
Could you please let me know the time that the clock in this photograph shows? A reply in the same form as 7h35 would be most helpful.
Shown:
7h48
